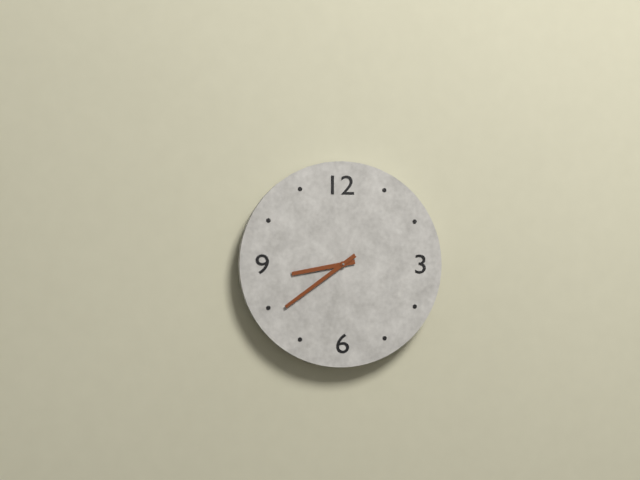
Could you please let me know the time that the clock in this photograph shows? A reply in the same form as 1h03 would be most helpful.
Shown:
8h39
